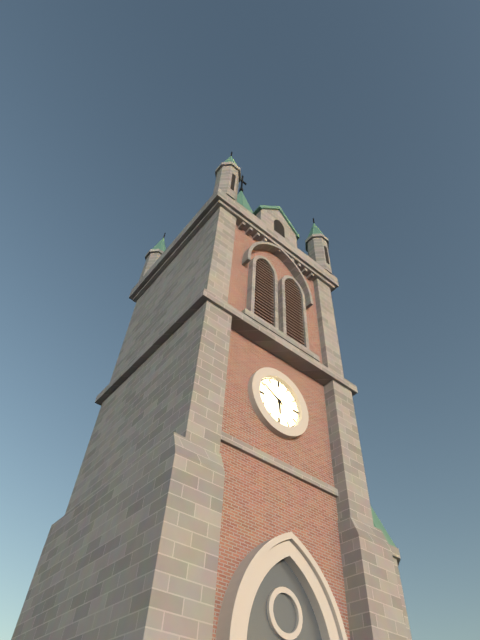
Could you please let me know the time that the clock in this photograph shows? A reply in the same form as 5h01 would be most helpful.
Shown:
5h50
